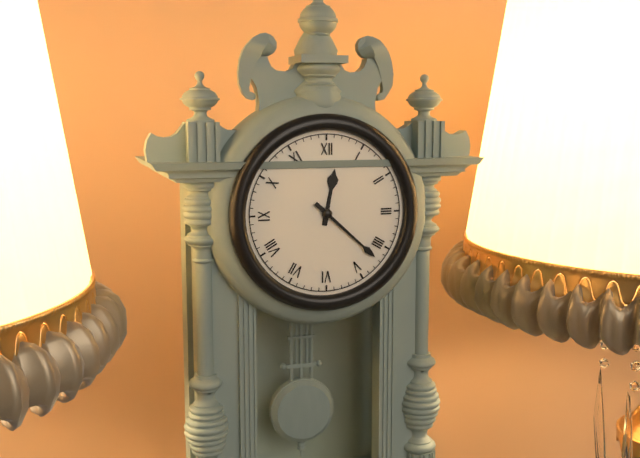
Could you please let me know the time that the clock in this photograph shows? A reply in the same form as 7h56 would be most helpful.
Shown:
12h22
